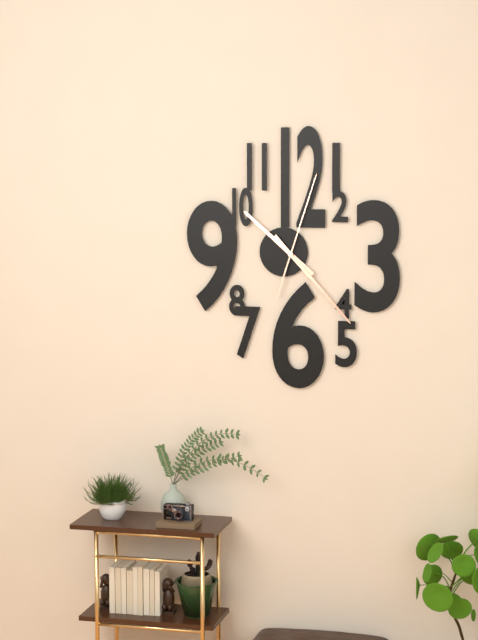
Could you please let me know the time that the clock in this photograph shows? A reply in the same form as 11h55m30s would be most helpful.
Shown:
10h23m03s
